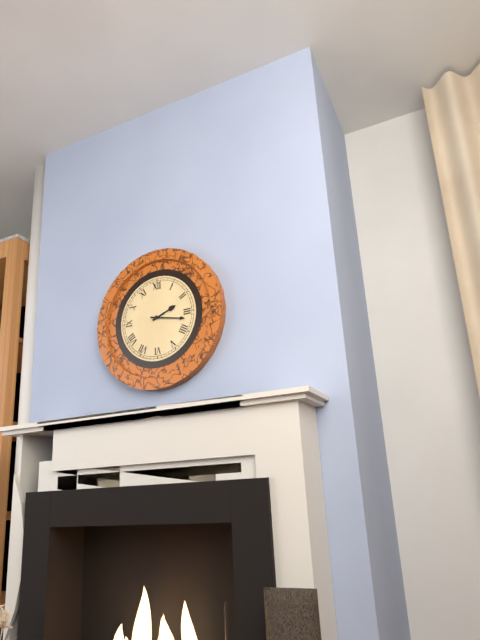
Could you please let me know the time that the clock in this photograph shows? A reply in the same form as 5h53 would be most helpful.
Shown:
2h17
